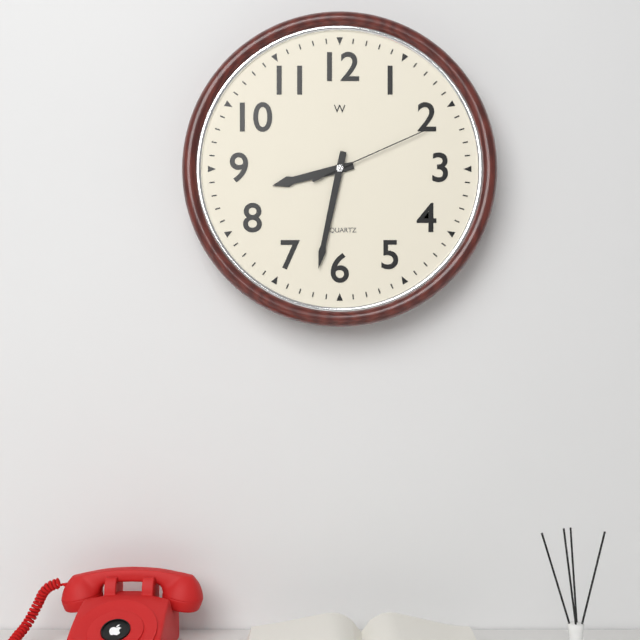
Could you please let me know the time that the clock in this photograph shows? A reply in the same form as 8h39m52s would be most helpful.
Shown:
8h32m11s
